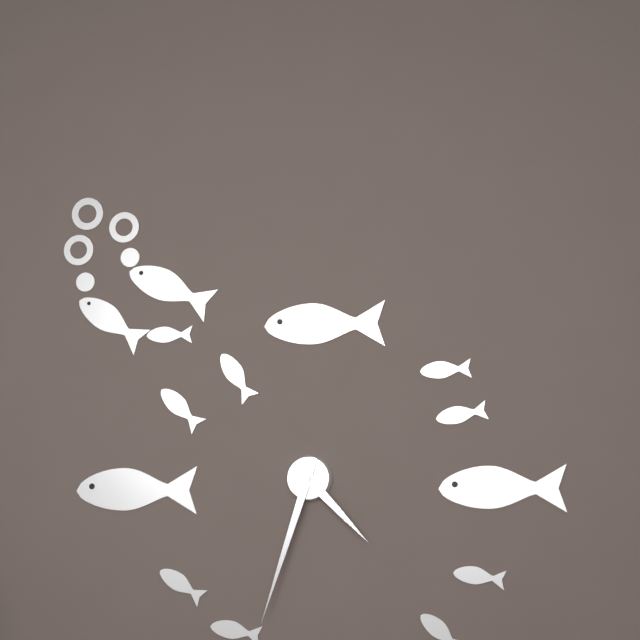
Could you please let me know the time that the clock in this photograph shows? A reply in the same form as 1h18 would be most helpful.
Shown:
4h33
